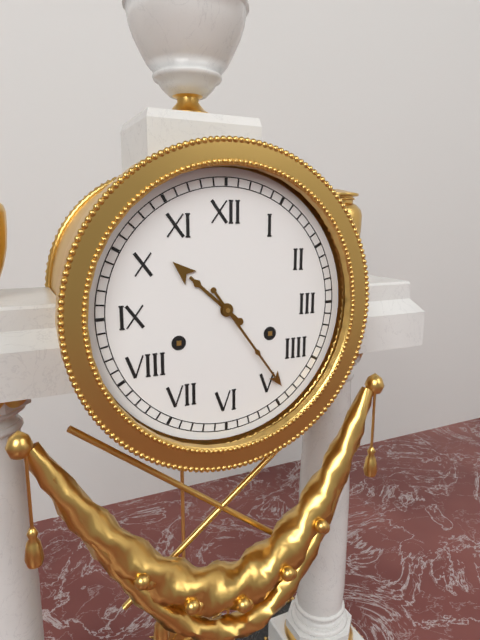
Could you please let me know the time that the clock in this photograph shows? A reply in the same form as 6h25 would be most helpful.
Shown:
10h24
